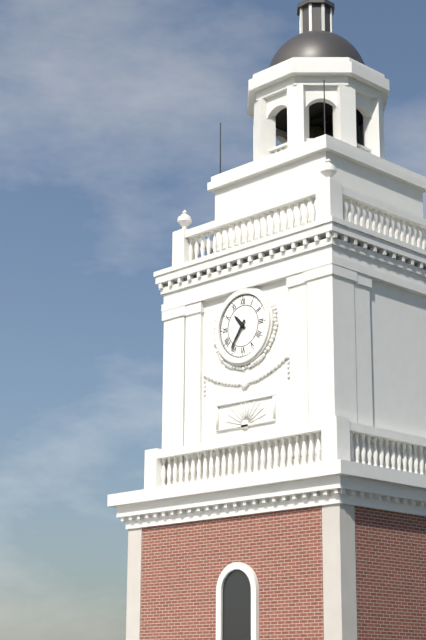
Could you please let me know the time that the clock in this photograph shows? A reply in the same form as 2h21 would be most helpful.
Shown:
10h36
